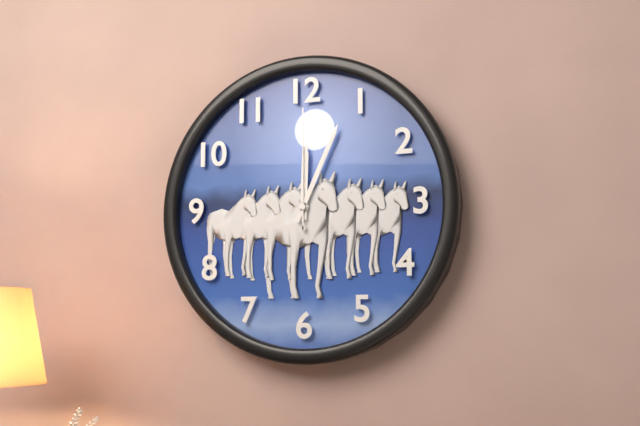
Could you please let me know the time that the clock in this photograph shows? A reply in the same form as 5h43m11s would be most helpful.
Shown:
12h04m00s
